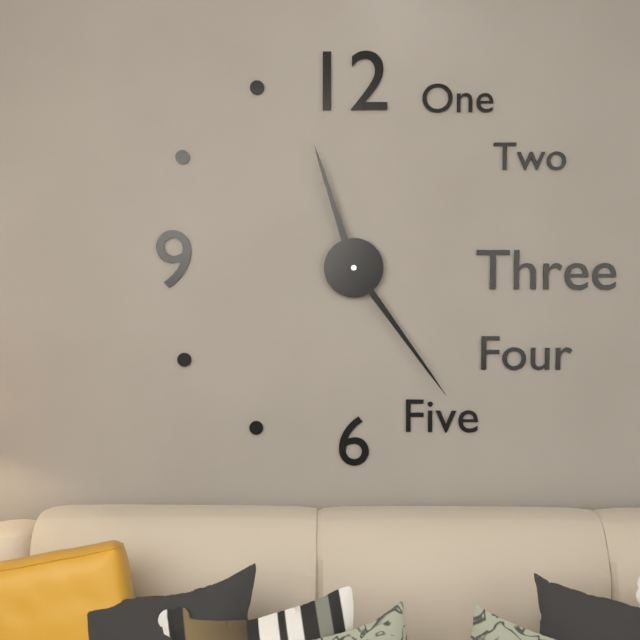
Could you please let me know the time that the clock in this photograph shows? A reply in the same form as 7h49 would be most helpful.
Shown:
11h24
